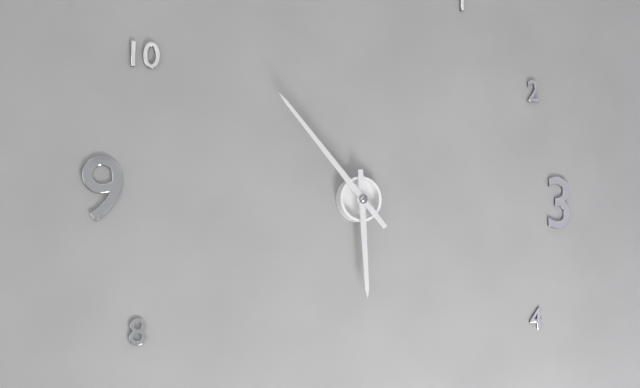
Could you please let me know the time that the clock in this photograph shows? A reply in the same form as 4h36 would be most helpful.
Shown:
5h53
